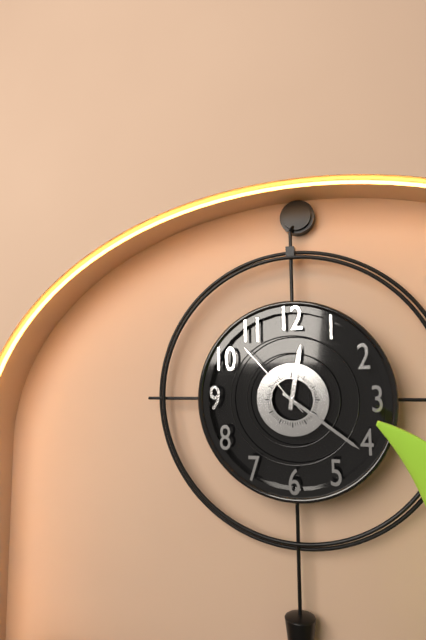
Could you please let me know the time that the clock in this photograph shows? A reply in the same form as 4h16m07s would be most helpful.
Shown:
12h21m53s
